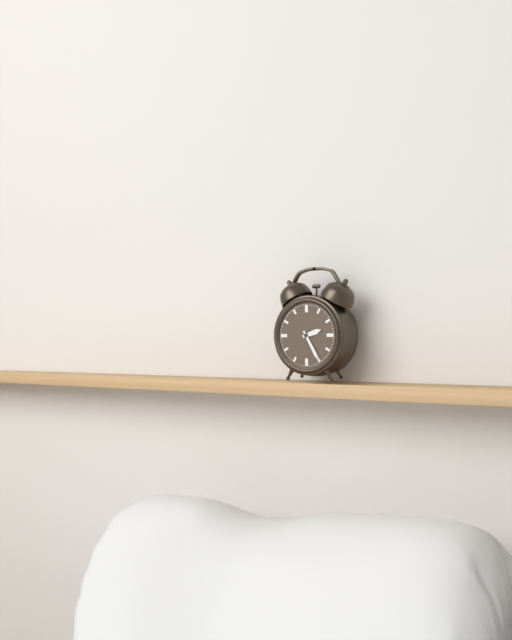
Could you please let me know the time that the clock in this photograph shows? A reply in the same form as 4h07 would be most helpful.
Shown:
2h25
